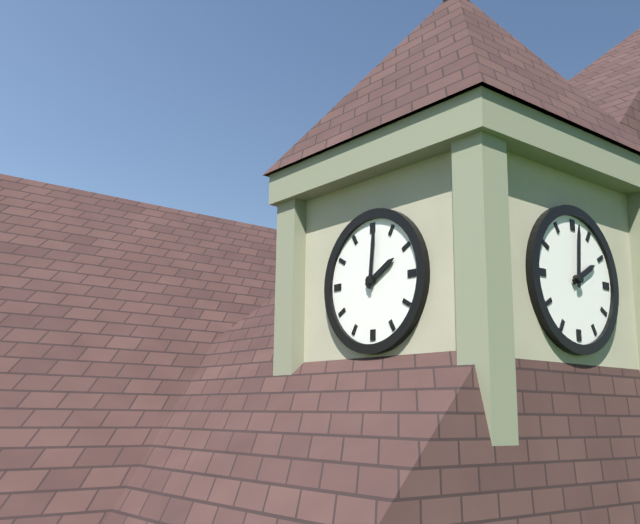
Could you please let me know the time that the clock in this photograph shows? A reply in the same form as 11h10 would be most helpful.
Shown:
2h01
